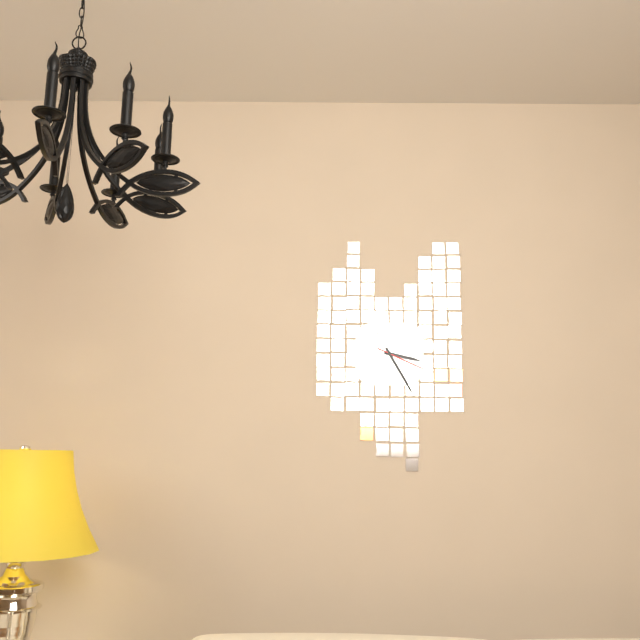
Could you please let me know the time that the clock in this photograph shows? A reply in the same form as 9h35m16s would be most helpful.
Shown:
3h25m19s
